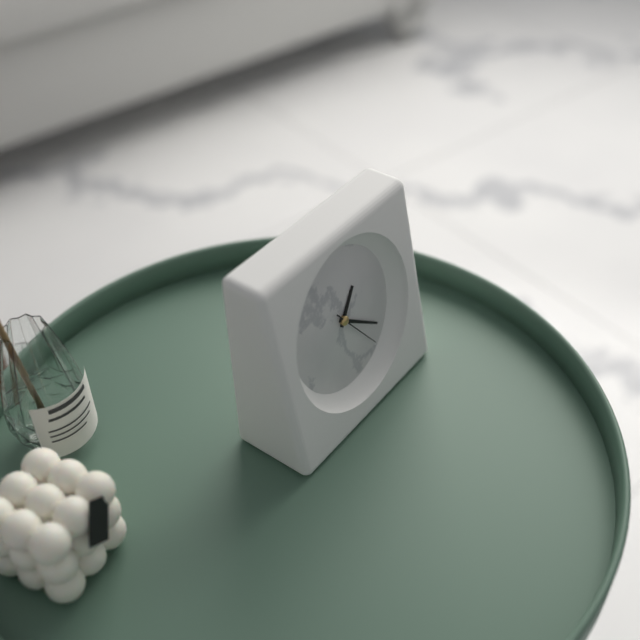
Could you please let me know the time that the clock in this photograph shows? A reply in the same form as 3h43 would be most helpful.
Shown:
1h21
